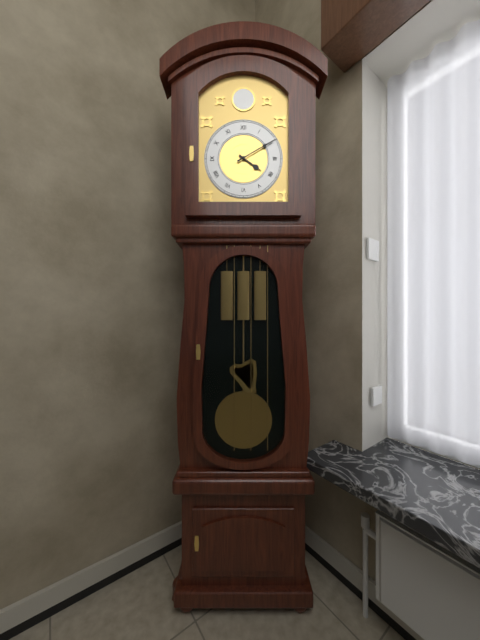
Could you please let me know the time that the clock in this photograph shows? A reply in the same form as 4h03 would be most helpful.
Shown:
4h10
